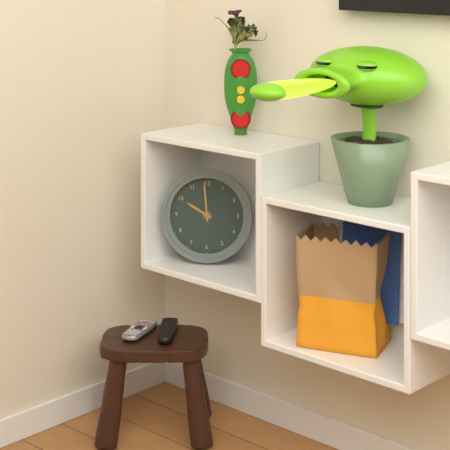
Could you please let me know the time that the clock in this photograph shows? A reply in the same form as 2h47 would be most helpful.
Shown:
9h59
